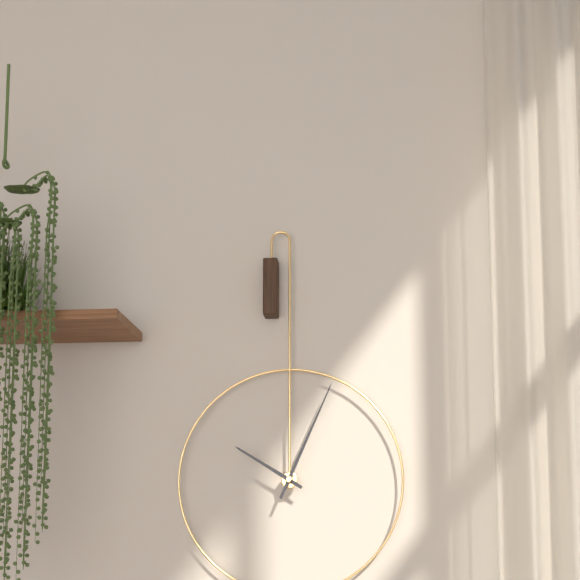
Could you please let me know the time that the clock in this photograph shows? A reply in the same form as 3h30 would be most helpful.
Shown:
10h04
